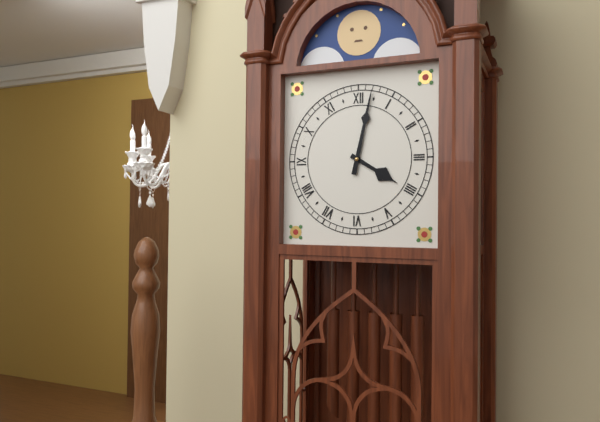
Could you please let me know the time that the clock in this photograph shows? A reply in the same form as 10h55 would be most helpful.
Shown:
4h02
